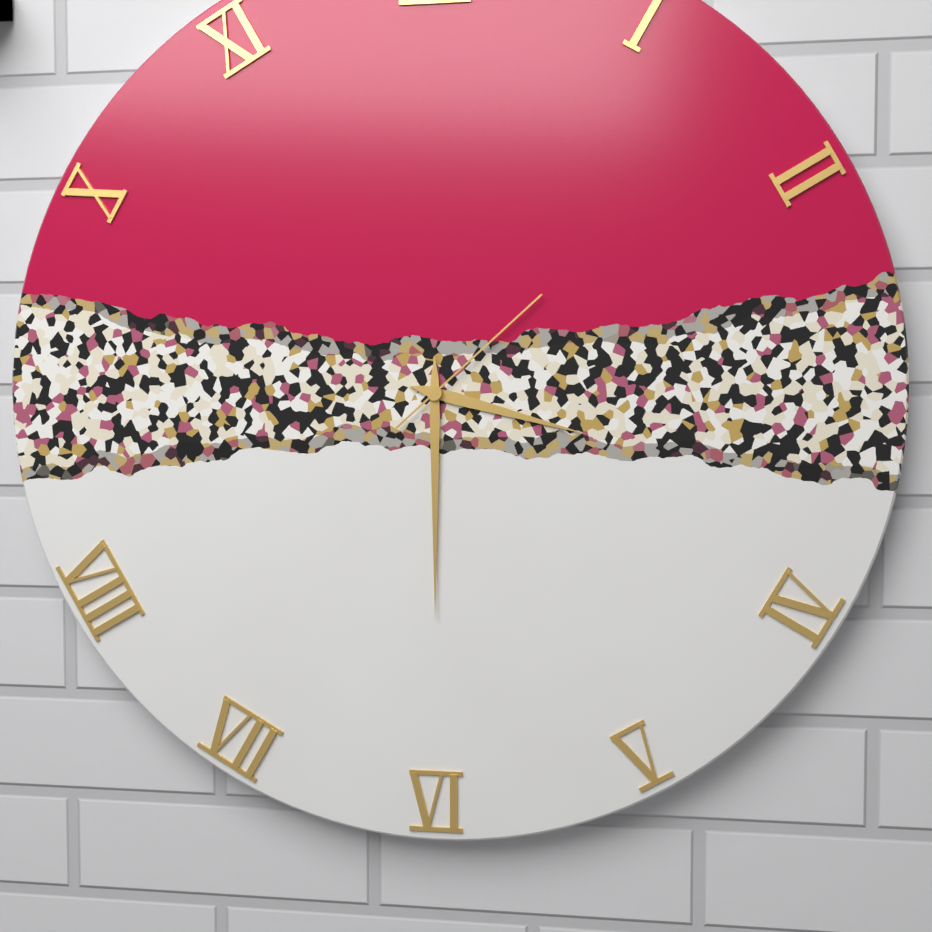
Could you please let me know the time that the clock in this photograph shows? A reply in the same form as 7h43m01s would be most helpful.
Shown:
3h30m08s
